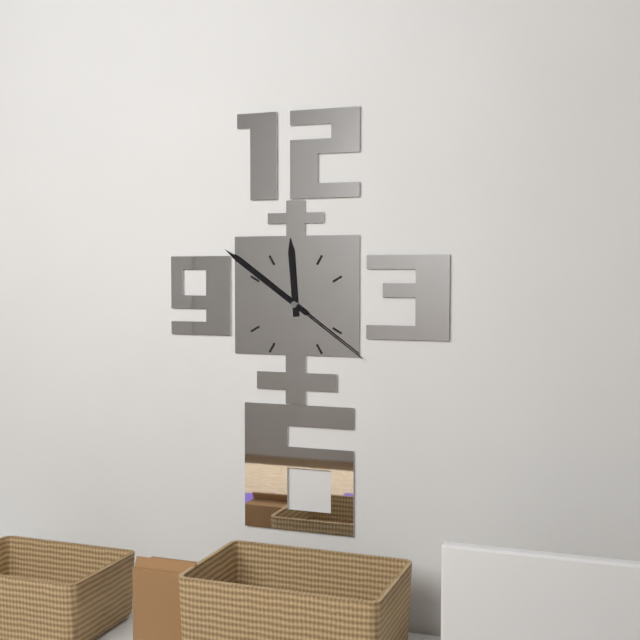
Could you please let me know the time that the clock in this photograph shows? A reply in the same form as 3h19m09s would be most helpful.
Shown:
11h51m21s
